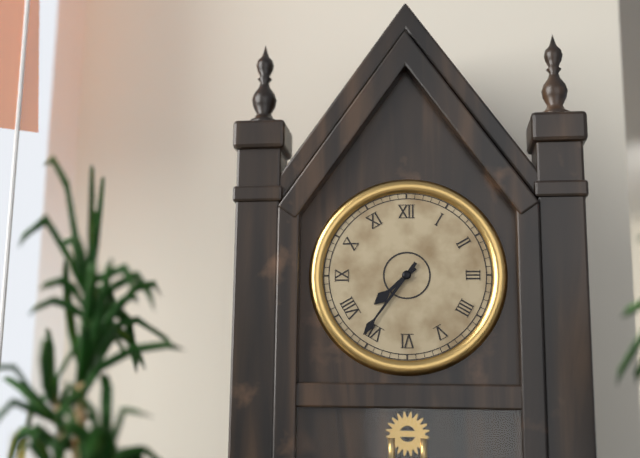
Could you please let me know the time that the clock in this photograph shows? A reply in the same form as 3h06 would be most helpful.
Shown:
7h36
